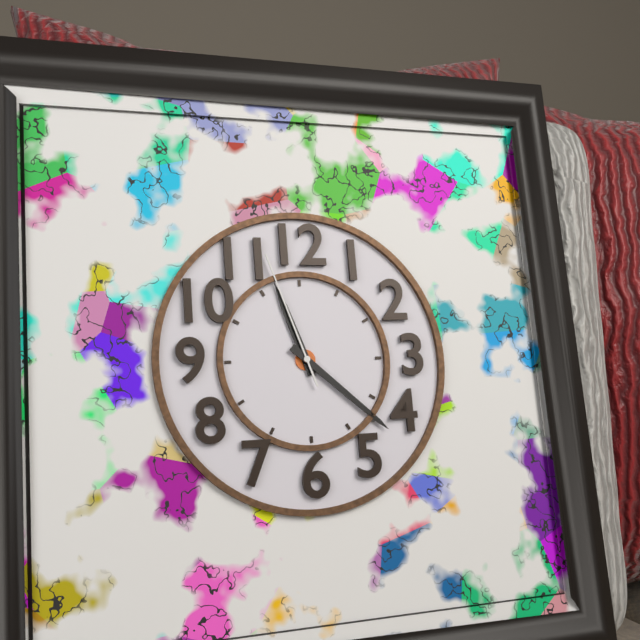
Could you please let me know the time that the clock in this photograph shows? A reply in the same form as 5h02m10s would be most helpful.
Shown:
11h22m57s
